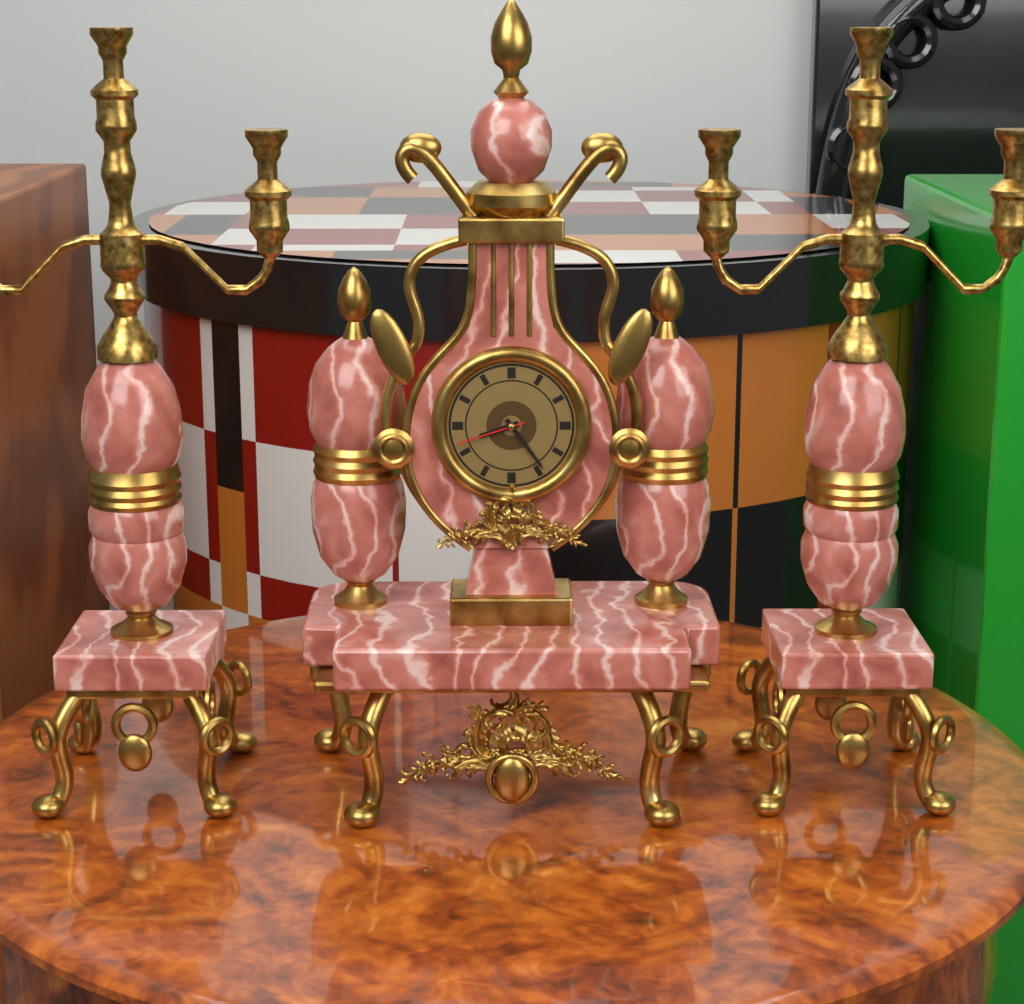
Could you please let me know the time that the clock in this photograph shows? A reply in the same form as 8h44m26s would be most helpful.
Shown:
8h24m42s
